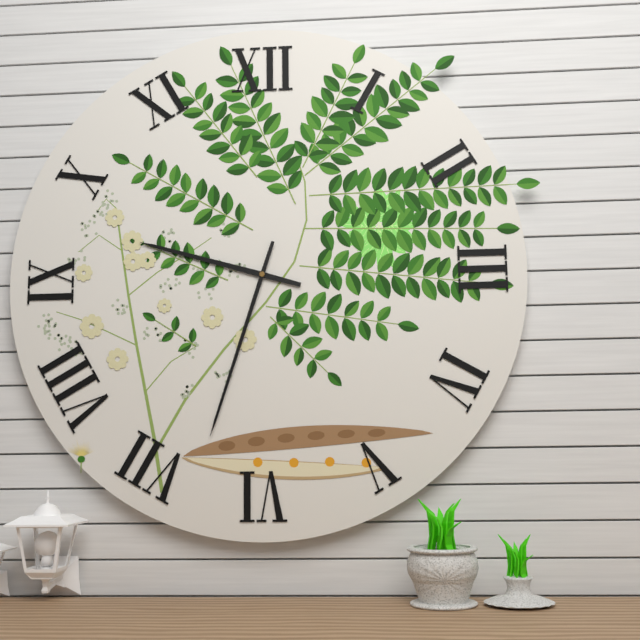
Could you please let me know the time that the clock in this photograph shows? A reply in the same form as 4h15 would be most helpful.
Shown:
9h33
